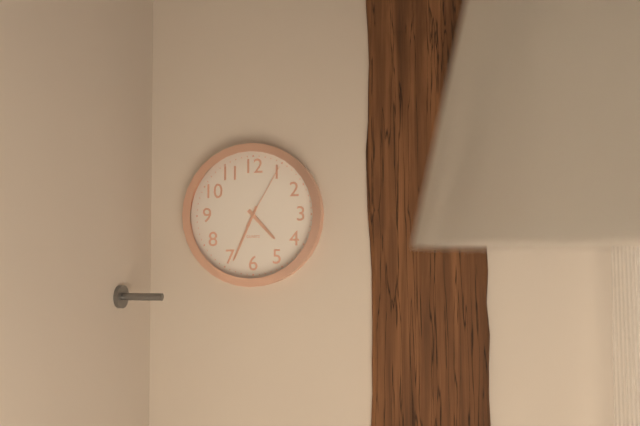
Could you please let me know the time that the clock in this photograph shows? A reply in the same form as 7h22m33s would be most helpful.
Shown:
4h34m05s
